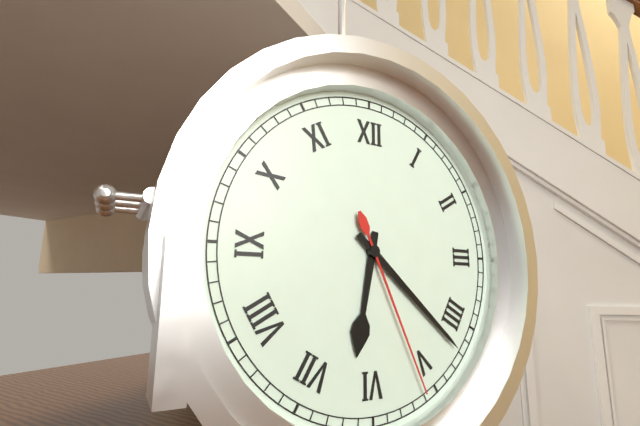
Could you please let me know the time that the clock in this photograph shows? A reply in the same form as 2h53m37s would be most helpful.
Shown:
6h22m26s
